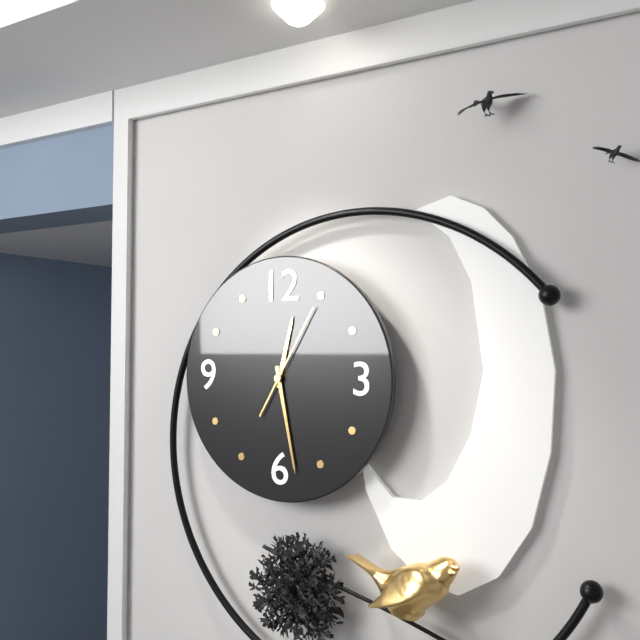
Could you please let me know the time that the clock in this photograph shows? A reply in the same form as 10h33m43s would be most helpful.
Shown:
12h28m05s
